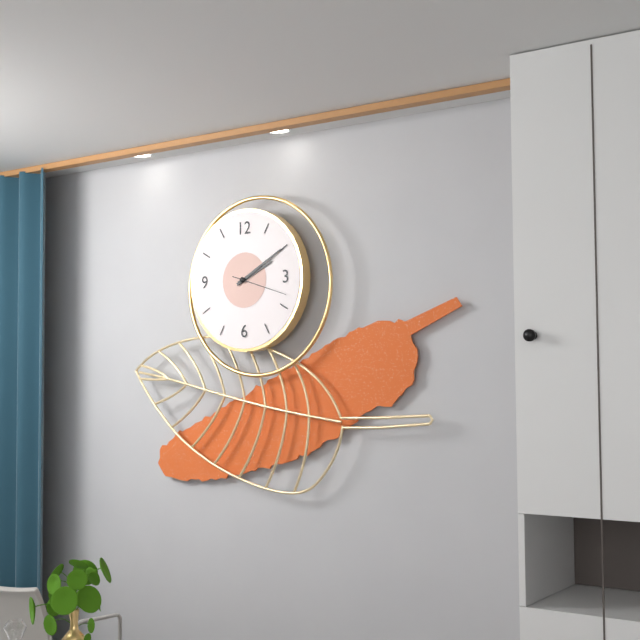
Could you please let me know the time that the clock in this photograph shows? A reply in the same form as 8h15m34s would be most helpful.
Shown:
2h10m18s
